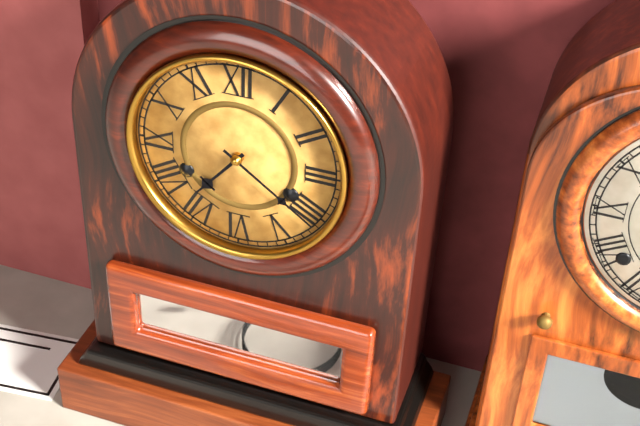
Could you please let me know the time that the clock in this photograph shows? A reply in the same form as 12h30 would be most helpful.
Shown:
7h21
